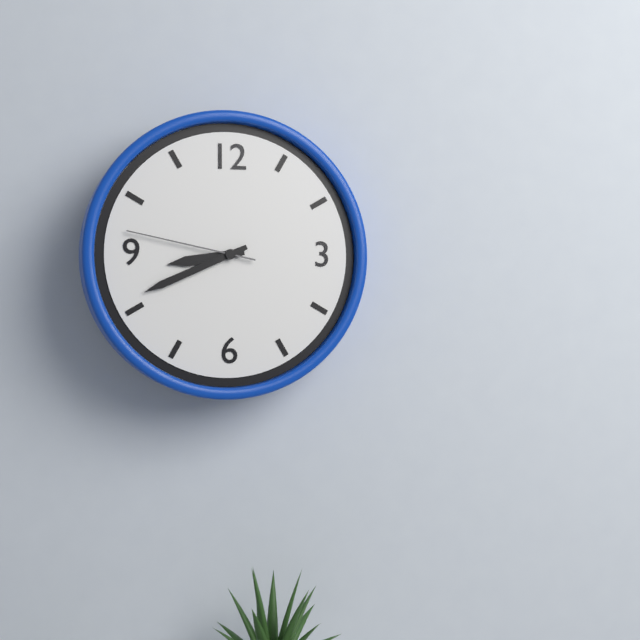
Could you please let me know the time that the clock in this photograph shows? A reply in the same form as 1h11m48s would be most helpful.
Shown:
8h41m47s
